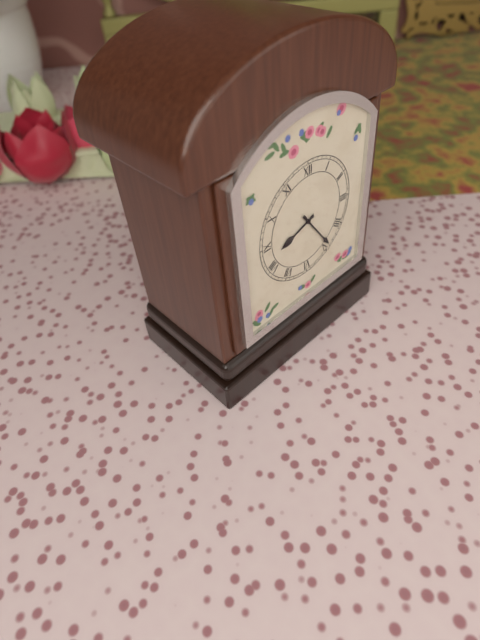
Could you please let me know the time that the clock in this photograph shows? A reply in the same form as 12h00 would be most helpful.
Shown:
8h24
